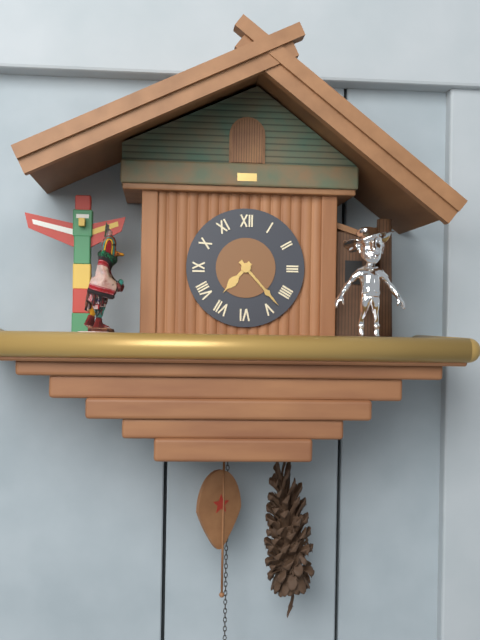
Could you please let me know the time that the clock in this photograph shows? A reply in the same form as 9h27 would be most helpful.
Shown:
7h23
